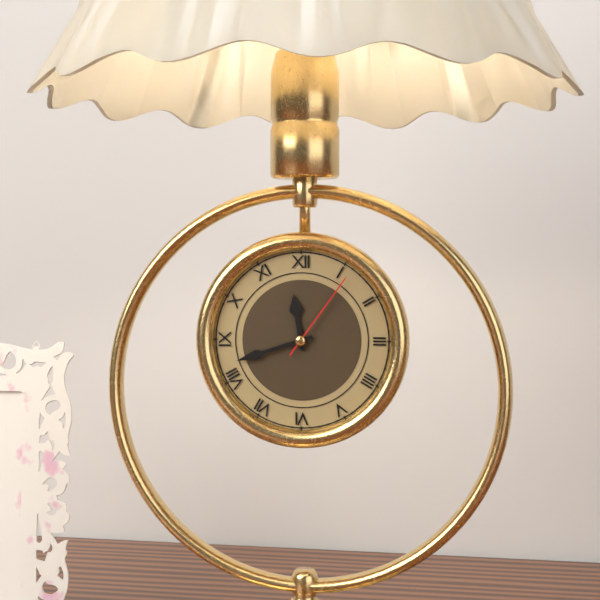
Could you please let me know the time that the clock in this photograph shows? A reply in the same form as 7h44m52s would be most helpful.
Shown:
11h42m06s
